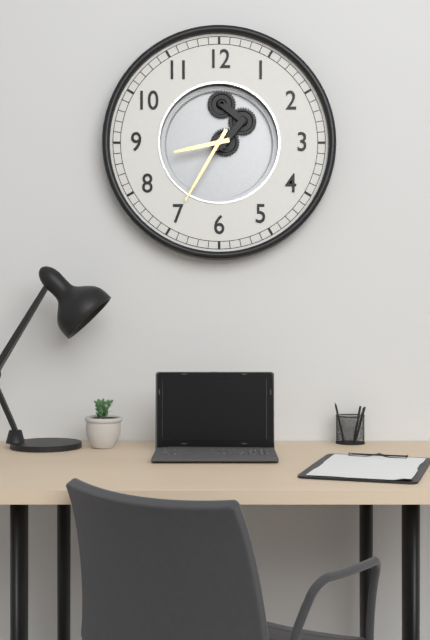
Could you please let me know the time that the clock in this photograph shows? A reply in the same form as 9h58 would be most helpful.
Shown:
8h35
